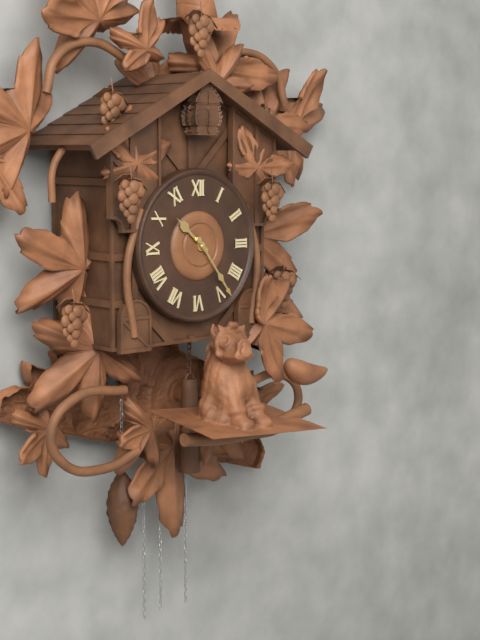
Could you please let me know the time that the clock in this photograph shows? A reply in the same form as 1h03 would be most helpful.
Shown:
10h24
